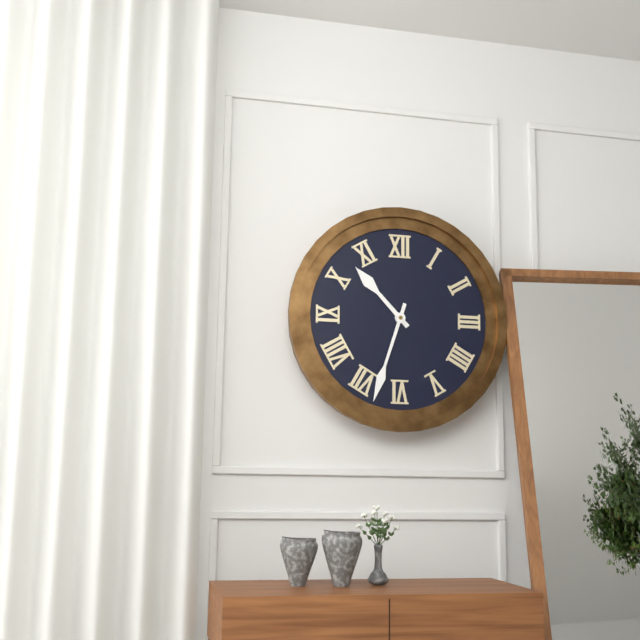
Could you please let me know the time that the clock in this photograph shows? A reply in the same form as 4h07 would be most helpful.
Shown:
10h33
